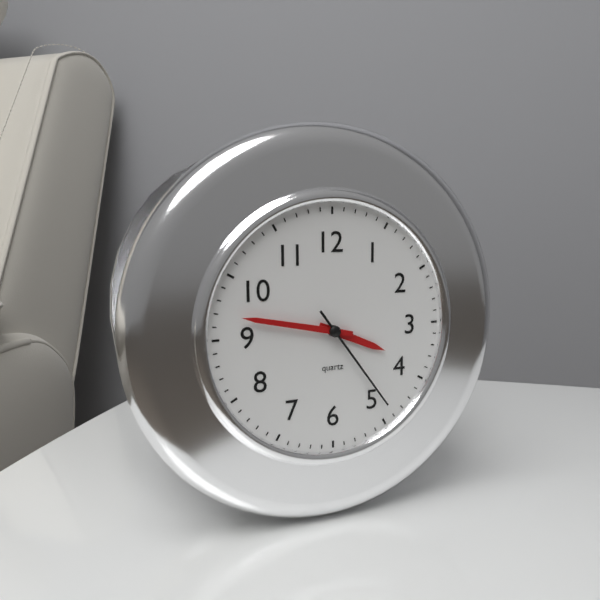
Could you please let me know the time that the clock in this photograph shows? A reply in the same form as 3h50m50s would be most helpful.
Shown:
3h47m24s
